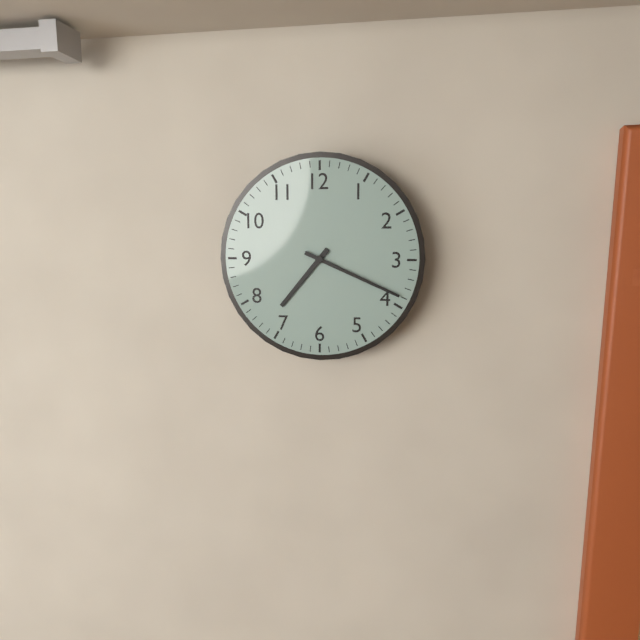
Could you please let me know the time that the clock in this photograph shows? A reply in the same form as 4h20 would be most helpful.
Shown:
7h19
